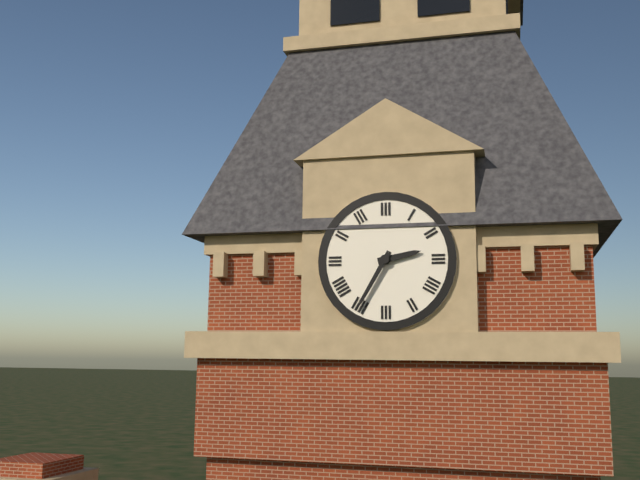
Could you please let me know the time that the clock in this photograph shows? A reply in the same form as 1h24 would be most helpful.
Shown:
2h35
